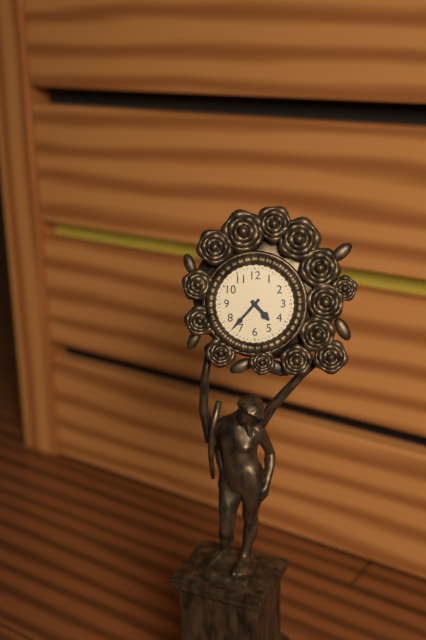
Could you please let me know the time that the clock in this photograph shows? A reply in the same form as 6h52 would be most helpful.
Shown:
4h37
